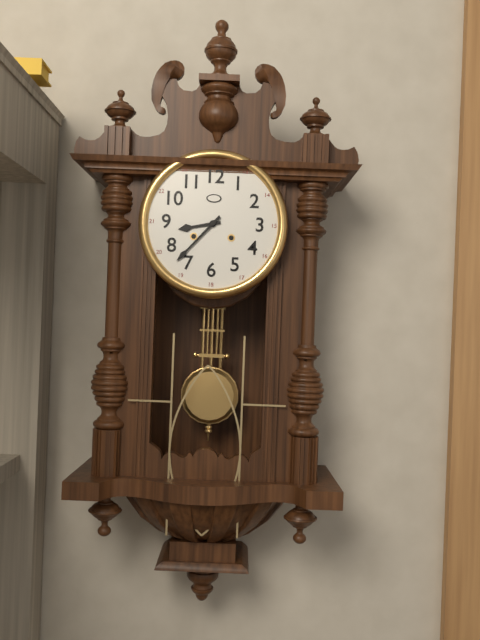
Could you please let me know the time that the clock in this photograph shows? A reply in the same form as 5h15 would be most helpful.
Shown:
8h37
